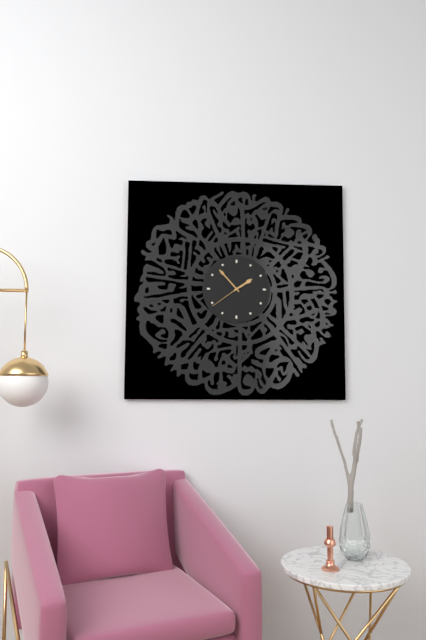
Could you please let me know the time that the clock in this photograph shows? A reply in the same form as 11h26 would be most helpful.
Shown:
1h53
